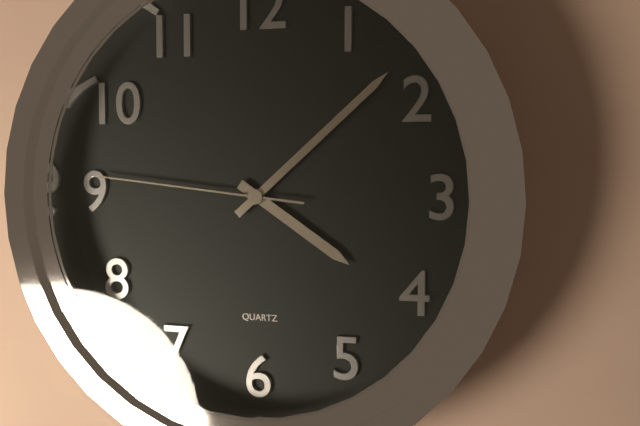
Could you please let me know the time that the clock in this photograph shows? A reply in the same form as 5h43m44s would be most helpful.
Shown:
4h08m46s
